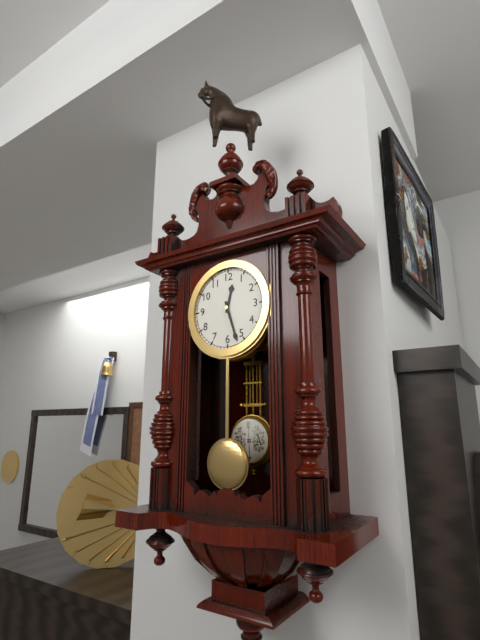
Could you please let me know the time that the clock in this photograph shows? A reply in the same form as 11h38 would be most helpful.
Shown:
12h27
